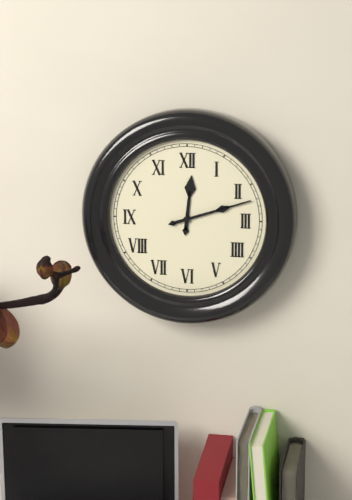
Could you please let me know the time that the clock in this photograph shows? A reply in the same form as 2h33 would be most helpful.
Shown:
12h12
